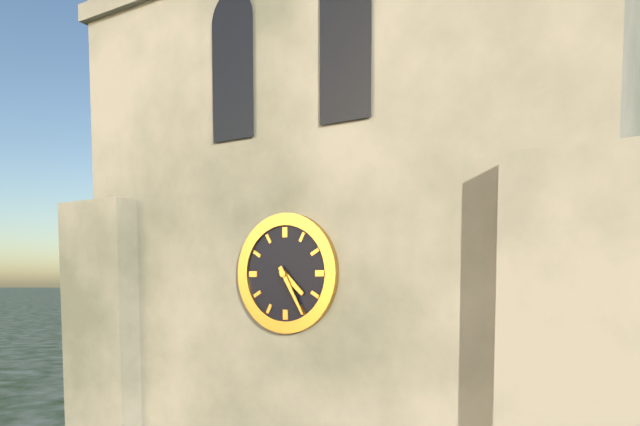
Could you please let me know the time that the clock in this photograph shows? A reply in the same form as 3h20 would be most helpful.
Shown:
4h25
